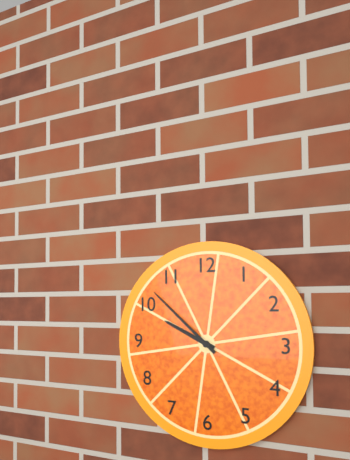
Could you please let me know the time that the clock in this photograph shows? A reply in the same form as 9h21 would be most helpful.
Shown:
9h52
